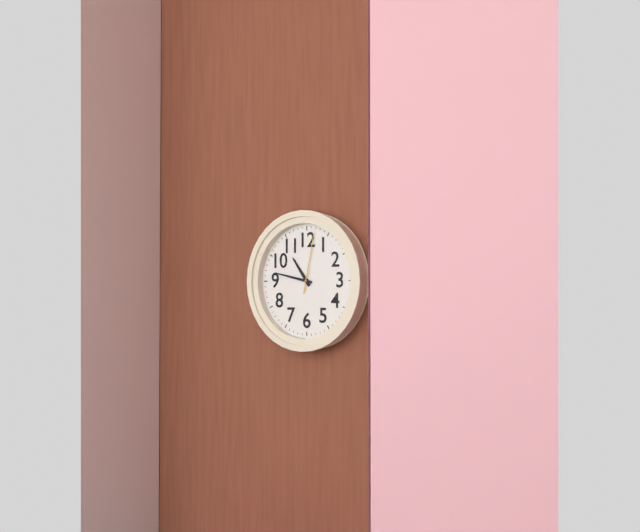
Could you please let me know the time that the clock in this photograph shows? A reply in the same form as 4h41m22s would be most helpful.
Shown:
10h47m02s
